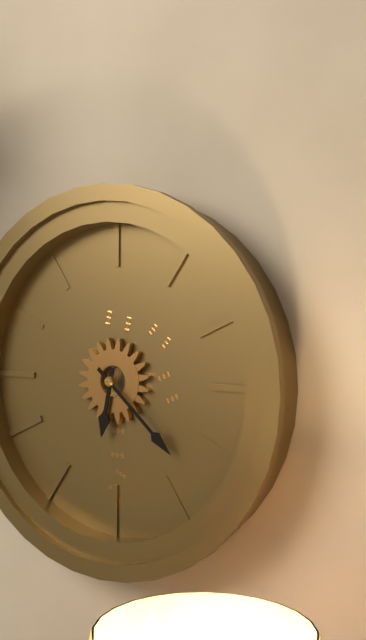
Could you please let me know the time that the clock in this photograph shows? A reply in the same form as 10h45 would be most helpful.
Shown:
6h22
